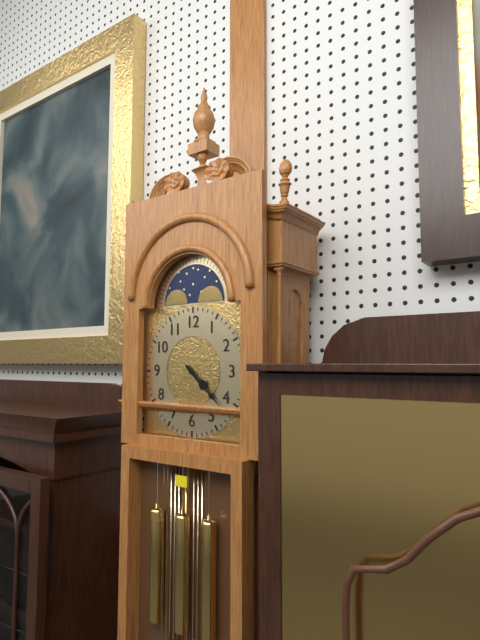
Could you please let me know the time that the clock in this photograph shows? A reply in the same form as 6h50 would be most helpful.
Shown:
4h22
